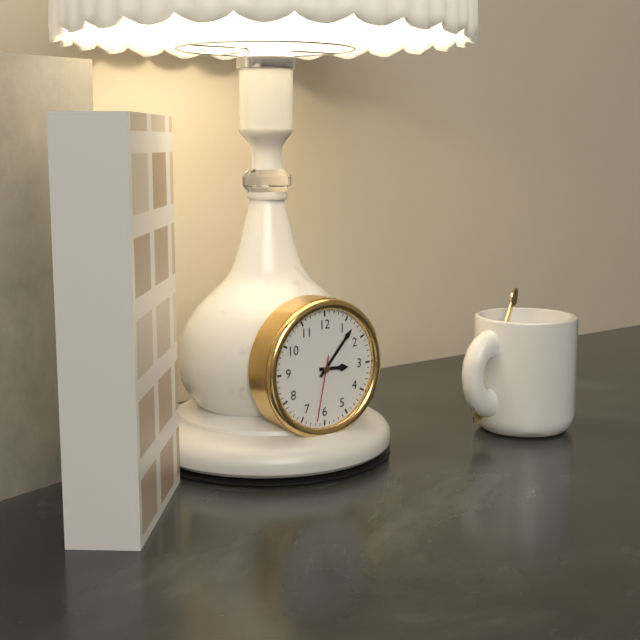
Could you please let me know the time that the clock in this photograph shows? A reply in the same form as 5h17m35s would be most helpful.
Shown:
3h07m32s
